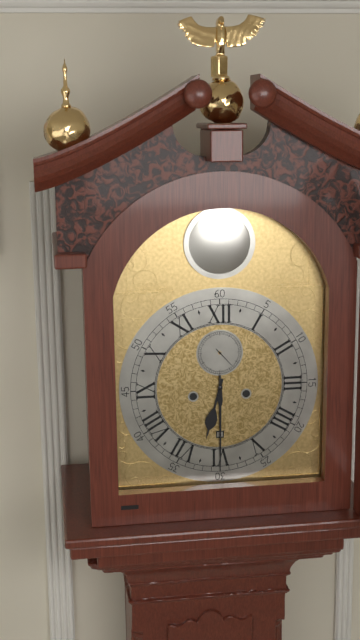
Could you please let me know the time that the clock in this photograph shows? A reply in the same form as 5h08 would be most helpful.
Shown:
6h30
